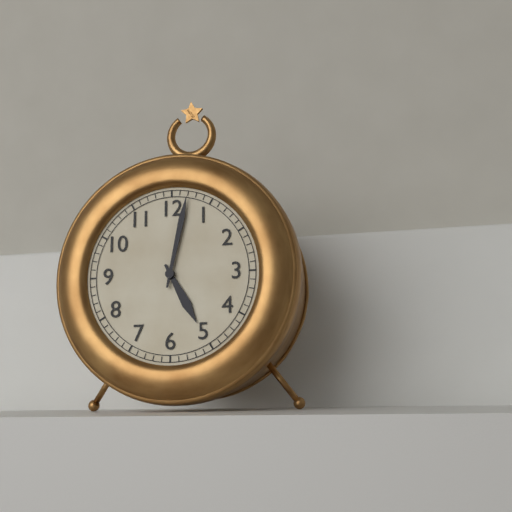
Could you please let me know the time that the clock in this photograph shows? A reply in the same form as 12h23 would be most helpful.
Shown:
5h02
